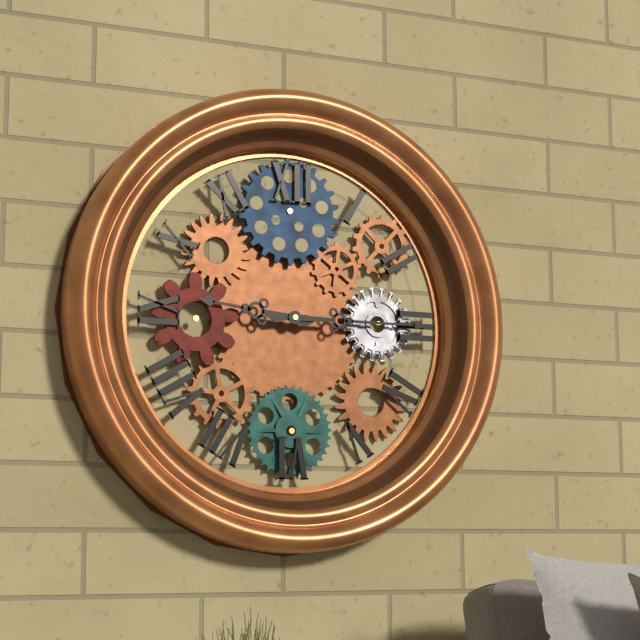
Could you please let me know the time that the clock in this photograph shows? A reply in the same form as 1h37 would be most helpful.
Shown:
9h15
